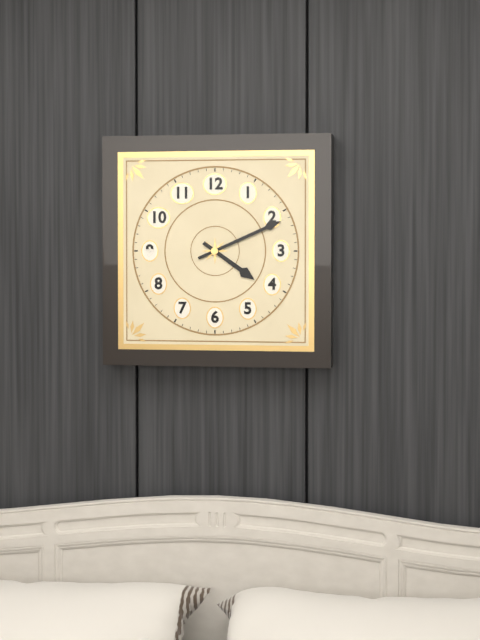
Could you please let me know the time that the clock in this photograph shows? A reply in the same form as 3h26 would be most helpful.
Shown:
4h11
